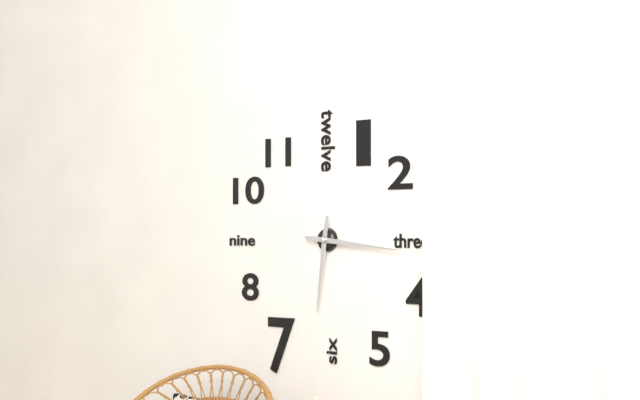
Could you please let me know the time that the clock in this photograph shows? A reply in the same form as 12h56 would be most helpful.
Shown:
6h16
